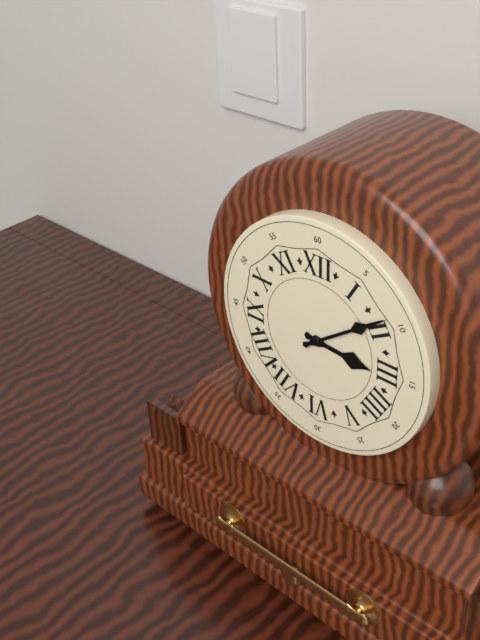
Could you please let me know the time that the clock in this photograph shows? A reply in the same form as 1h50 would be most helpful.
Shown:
3h09
